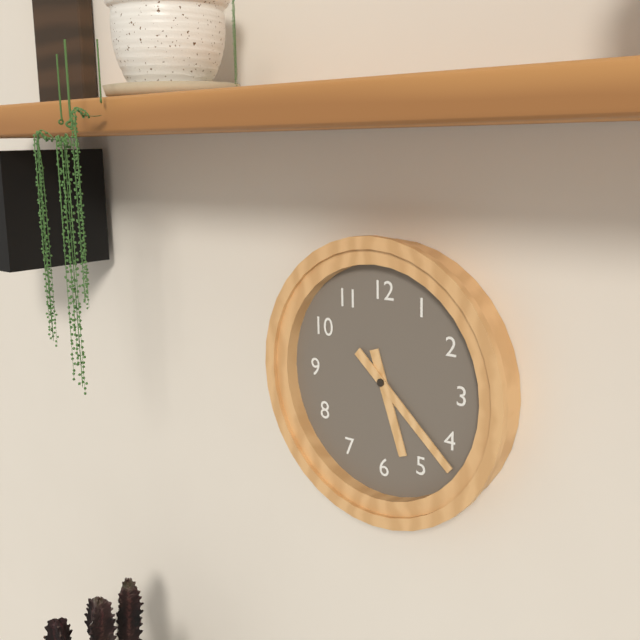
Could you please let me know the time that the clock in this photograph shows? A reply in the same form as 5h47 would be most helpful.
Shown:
5h22
